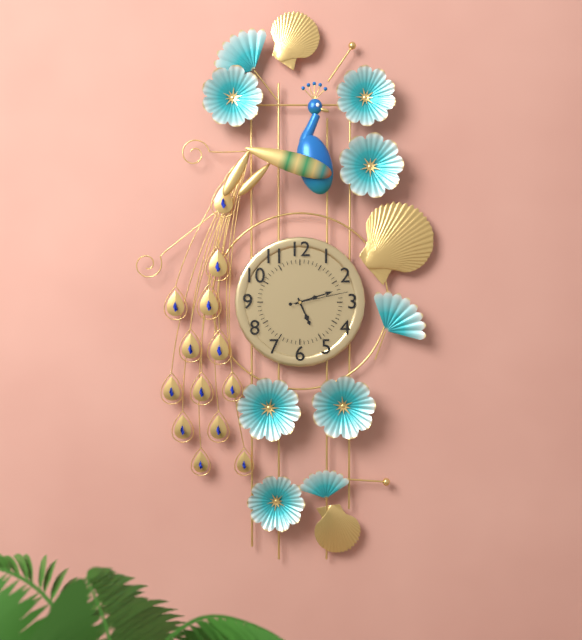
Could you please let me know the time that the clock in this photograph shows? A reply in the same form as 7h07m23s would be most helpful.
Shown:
5h12m13s
